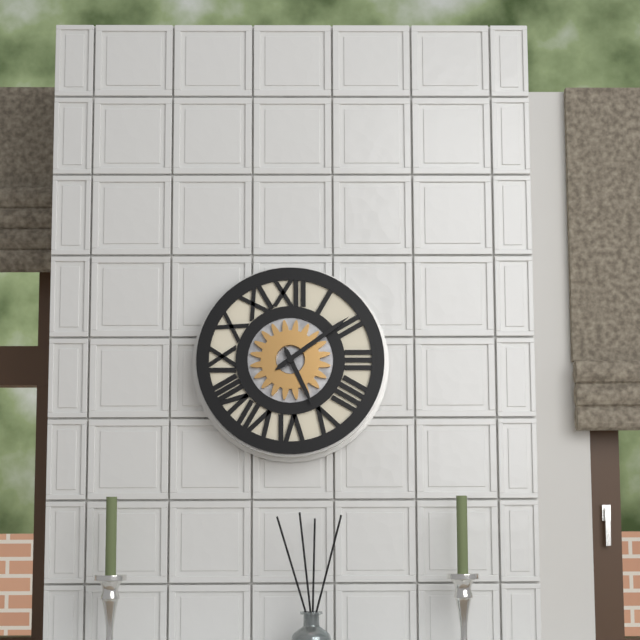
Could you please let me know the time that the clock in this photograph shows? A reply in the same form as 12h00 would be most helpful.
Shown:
5h09
